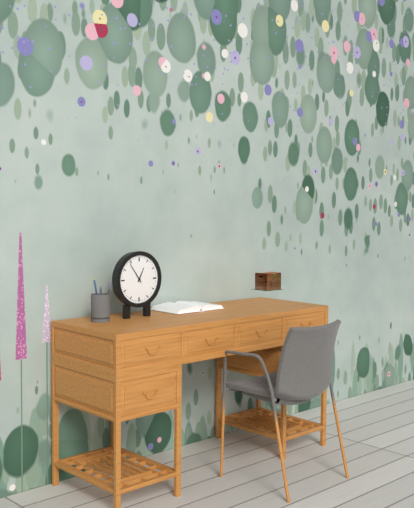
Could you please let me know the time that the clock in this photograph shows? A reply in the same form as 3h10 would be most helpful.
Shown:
12h54
